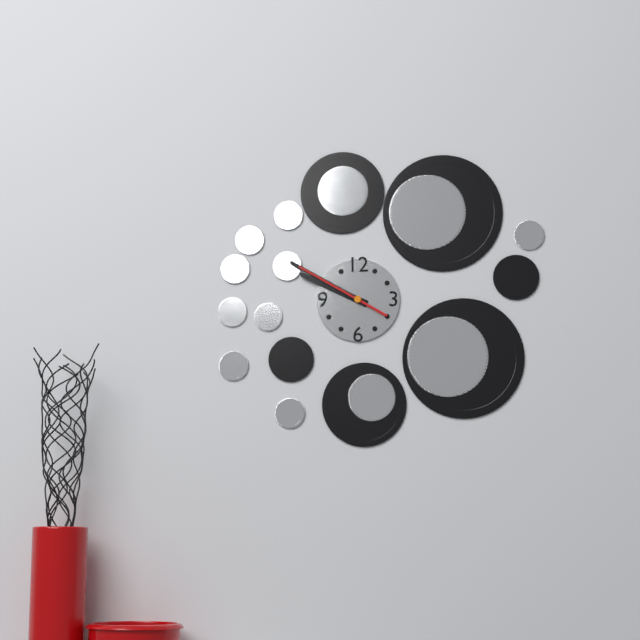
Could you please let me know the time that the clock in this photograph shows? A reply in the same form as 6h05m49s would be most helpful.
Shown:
9h50m50s
